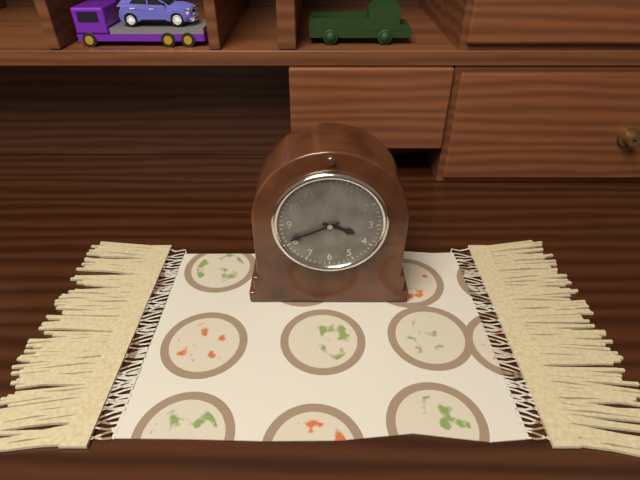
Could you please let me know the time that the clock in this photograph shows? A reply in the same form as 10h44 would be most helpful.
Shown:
3h41
